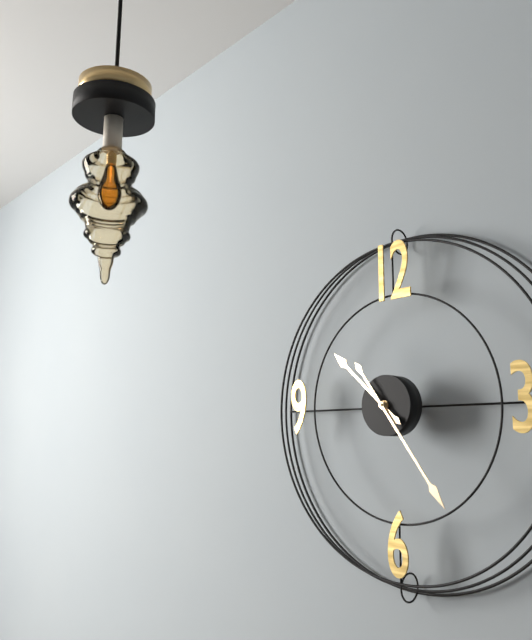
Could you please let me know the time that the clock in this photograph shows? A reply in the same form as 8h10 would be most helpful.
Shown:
10h24
